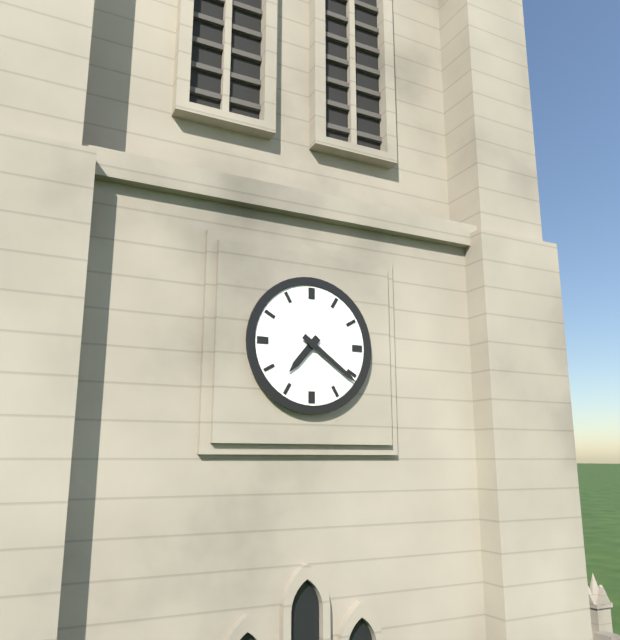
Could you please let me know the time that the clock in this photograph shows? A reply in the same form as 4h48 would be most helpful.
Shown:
7h21
